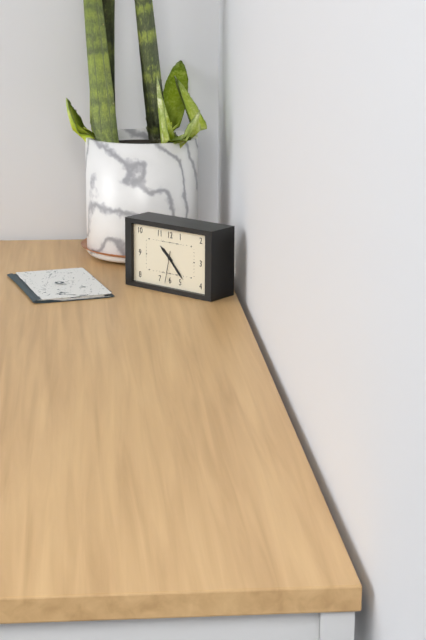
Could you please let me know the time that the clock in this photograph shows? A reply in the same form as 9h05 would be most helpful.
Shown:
10h23
